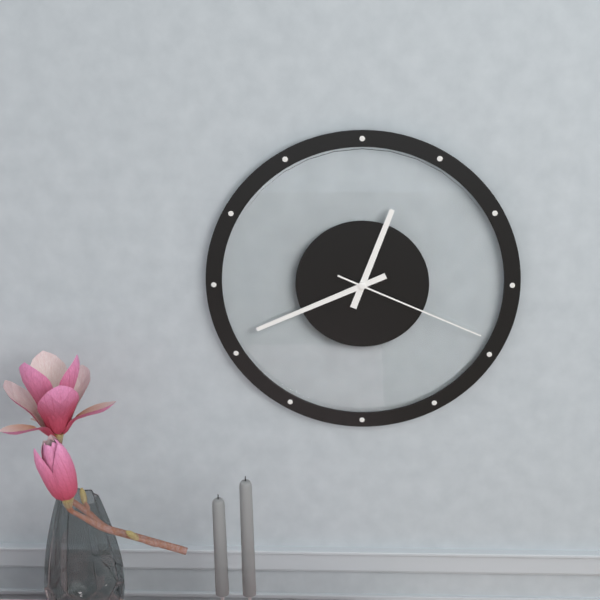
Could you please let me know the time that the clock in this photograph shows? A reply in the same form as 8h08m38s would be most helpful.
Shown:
12h41m19s
